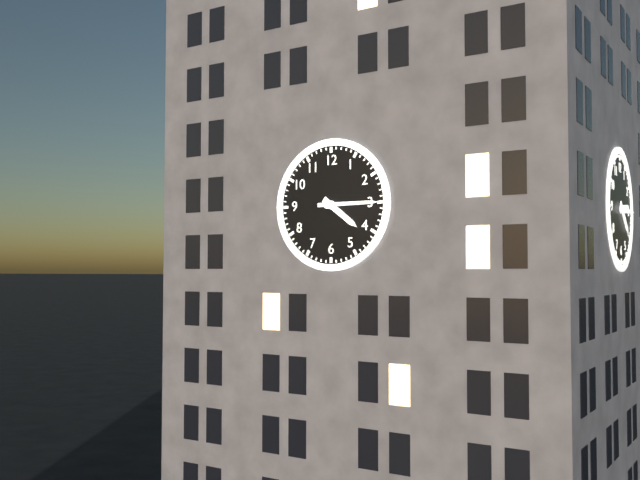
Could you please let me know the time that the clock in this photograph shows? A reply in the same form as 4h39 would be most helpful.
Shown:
4h15
